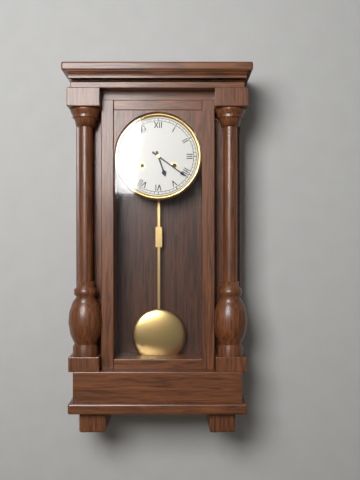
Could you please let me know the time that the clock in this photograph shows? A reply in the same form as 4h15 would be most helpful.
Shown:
5h21
